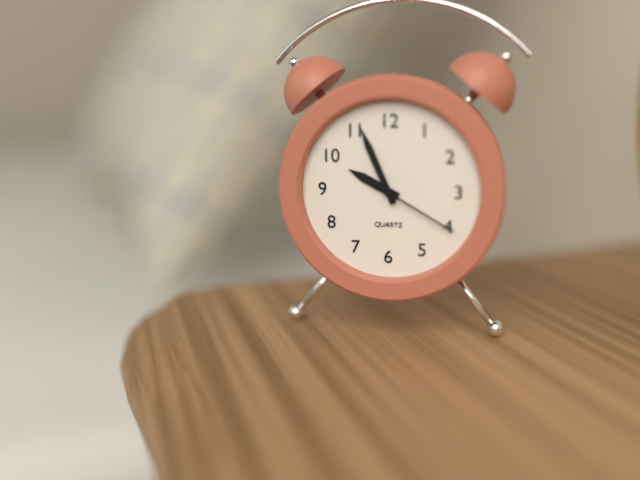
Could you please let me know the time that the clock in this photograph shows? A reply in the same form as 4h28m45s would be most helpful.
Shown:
9h56m20s
